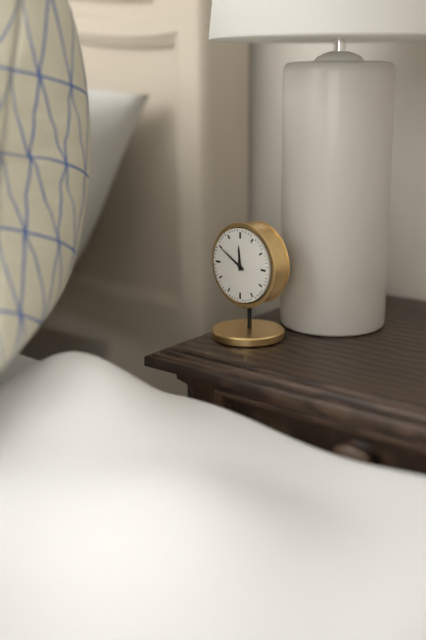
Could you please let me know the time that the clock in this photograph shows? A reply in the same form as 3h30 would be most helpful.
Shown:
11h50
